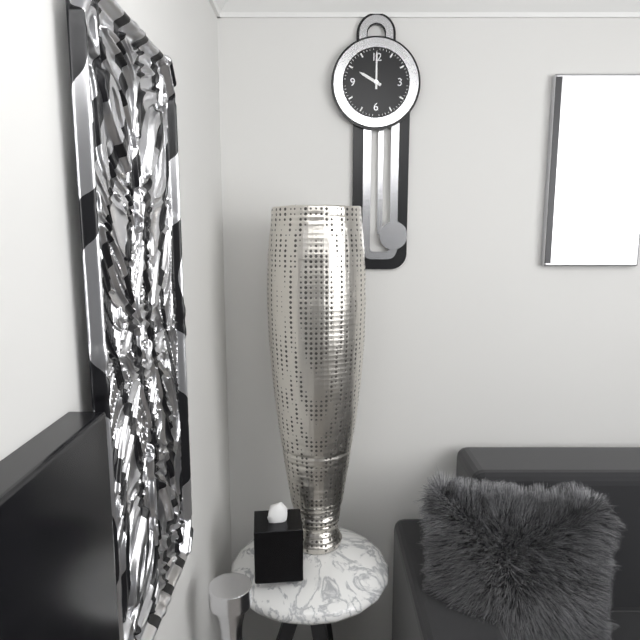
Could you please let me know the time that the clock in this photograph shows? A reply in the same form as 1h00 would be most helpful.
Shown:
10h00
